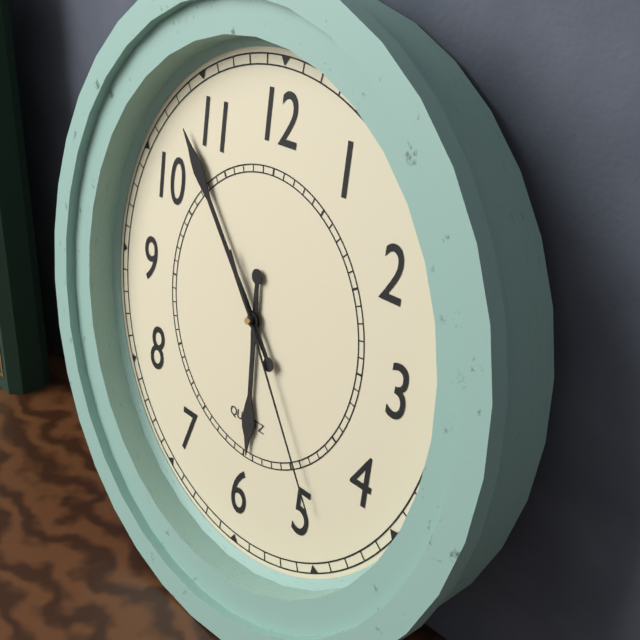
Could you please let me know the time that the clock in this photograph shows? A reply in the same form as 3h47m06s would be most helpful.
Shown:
5h53m24s
